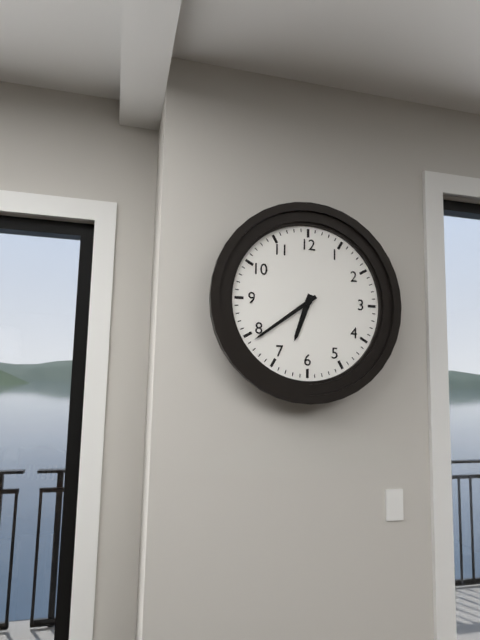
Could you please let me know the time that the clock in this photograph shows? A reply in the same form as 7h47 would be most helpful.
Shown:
6h39
